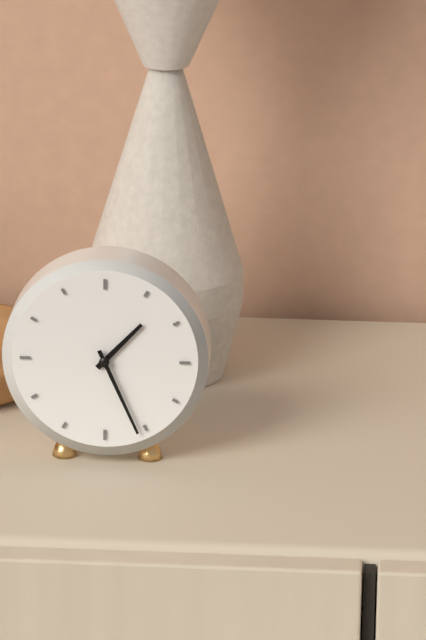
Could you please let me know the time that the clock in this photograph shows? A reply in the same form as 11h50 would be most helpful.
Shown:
1h26
